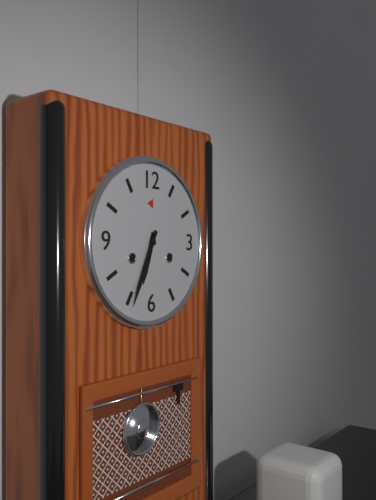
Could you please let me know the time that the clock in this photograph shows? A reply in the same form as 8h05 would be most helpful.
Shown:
6h34
